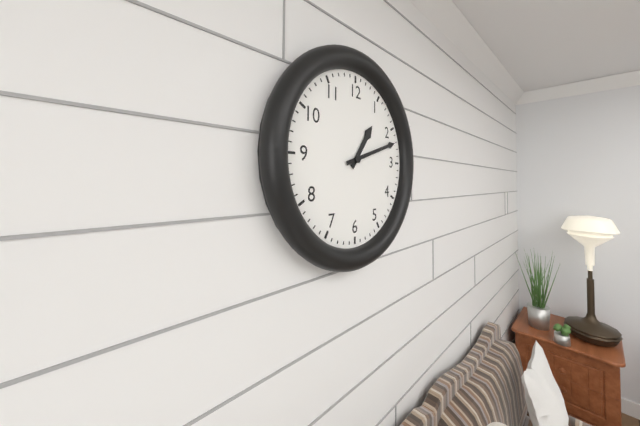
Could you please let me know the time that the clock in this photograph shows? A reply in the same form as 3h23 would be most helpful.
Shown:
1h12
